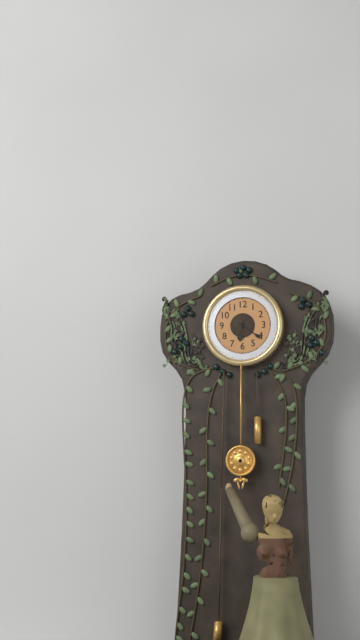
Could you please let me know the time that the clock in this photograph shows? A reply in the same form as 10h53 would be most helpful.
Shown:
6h21
